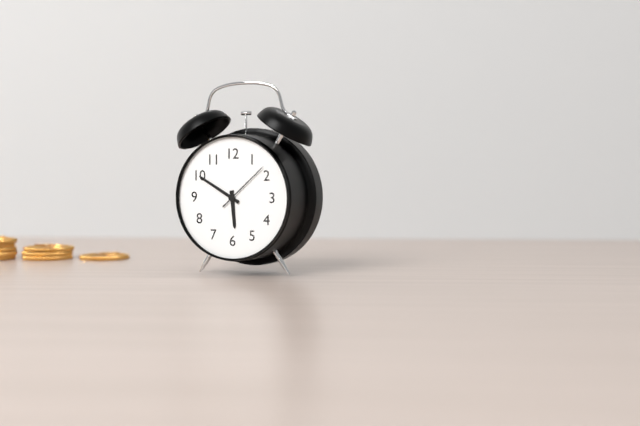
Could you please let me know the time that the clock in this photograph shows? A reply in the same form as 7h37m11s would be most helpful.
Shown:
5h50m08s
